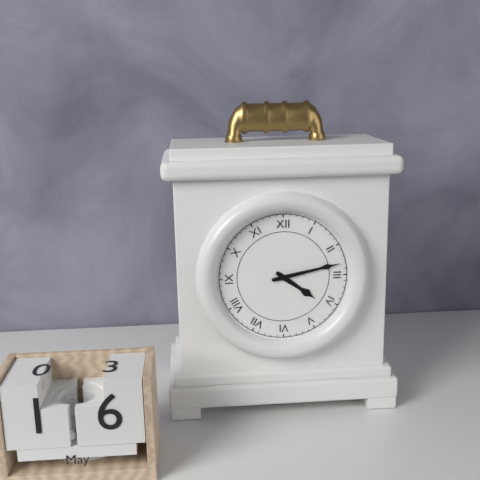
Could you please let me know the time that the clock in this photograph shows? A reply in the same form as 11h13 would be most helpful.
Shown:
4h13
